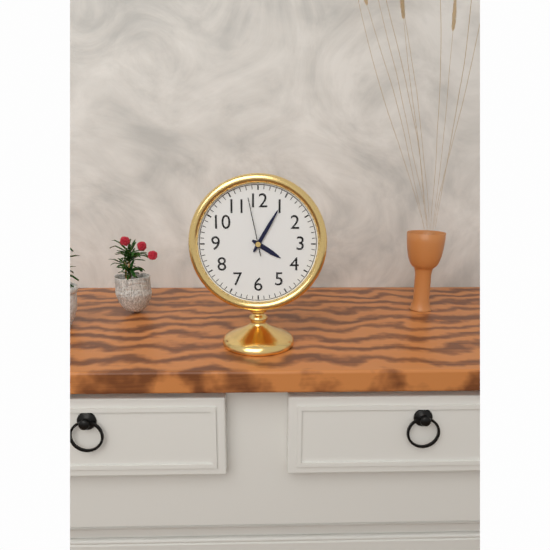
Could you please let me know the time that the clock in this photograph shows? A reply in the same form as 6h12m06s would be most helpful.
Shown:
4h05m58s
